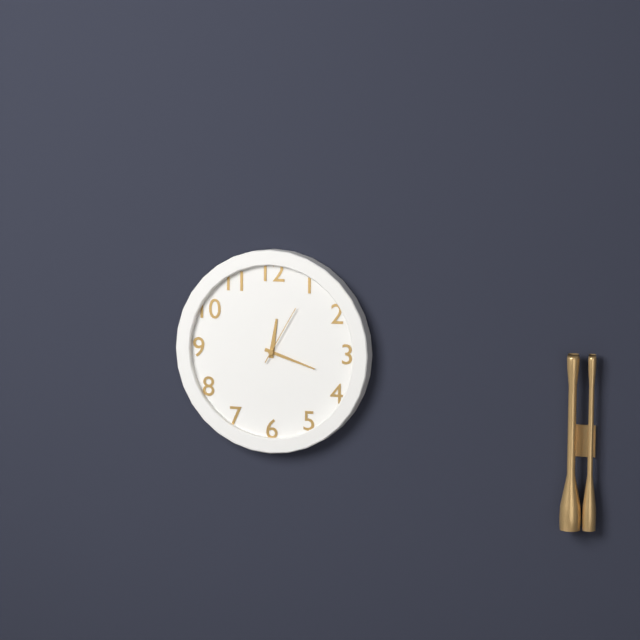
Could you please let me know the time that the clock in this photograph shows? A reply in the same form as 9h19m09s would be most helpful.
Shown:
12h18m05s
